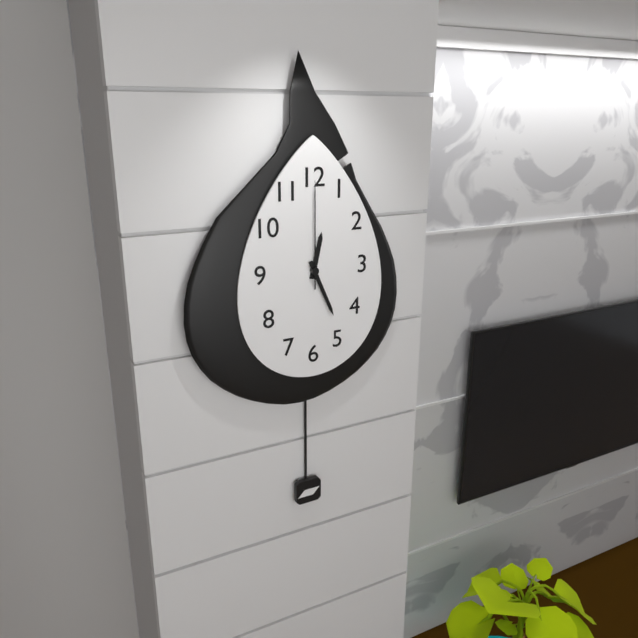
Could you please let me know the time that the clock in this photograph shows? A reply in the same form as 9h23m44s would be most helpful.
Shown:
12h26m00s
